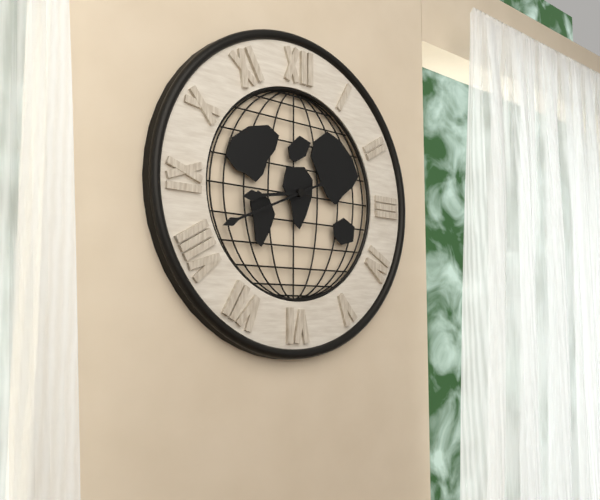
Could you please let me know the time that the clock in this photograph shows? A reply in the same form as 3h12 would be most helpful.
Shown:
8h41
